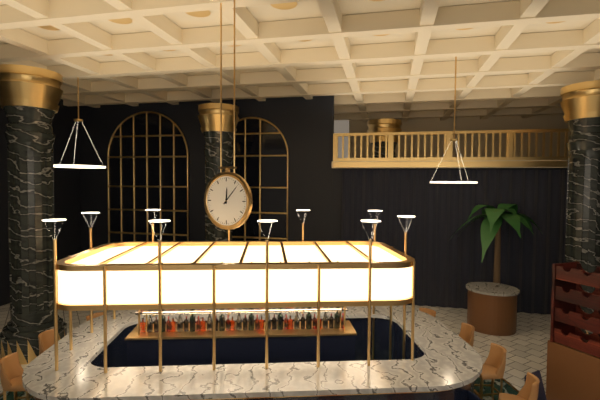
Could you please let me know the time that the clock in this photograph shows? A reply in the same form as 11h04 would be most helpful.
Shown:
12h07
